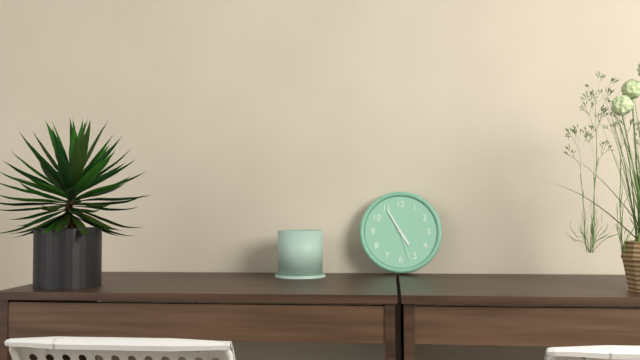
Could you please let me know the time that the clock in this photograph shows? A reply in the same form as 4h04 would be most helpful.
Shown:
4h55
